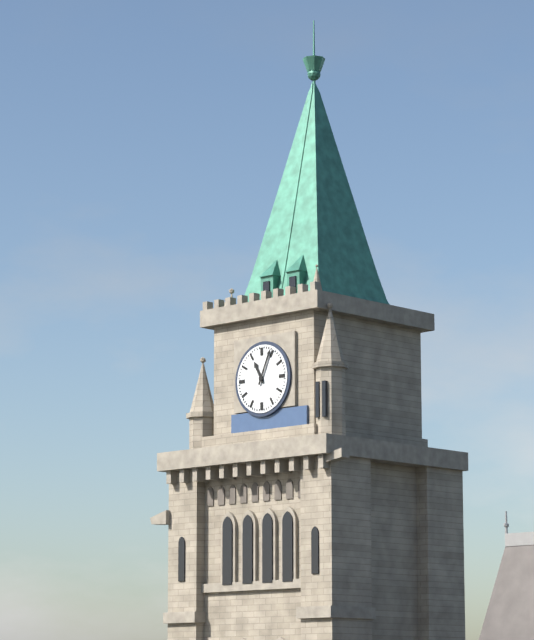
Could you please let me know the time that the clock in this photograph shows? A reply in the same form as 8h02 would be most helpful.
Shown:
11h04
